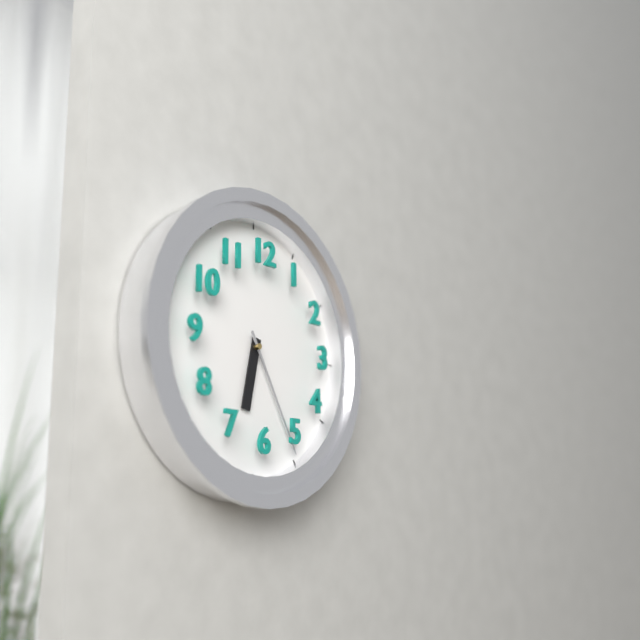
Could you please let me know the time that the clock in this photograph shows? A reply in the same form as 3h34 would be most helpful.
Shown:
6h25
